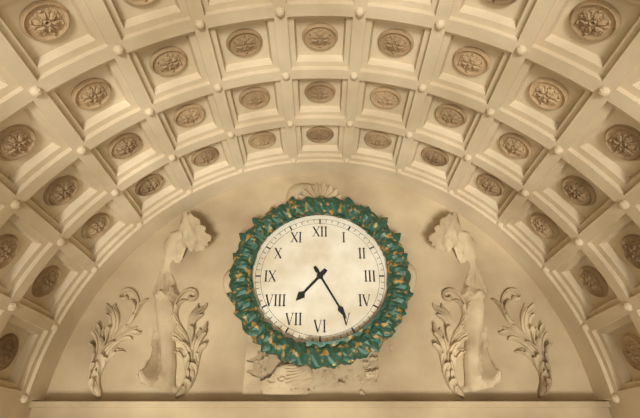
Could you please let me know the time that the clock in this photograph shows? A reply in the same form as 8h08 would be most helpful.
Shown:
7h25
